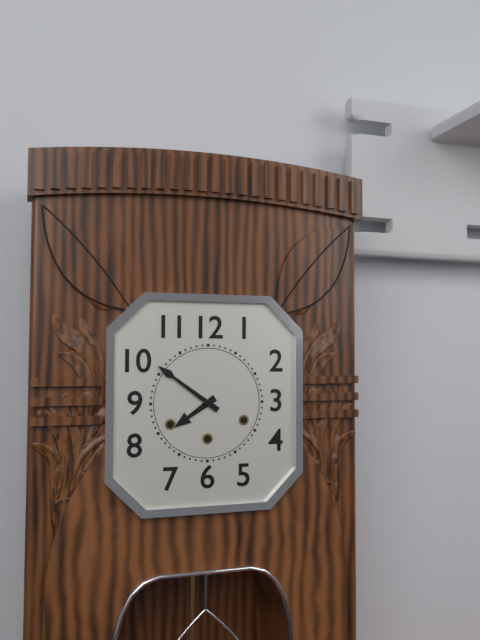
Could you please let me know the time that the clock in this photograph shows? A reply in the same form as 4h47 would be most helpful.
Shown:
7h51
